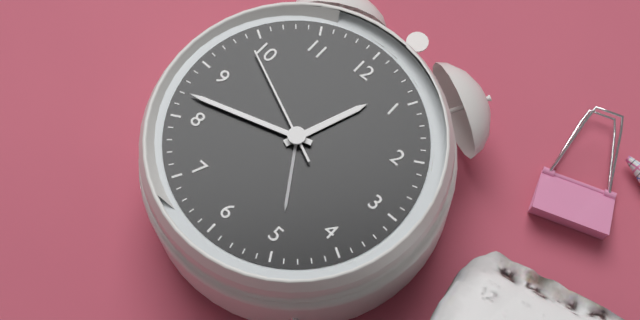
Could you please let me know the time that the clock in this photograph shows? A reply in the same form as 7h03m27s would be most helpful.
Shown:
12h42m49s
